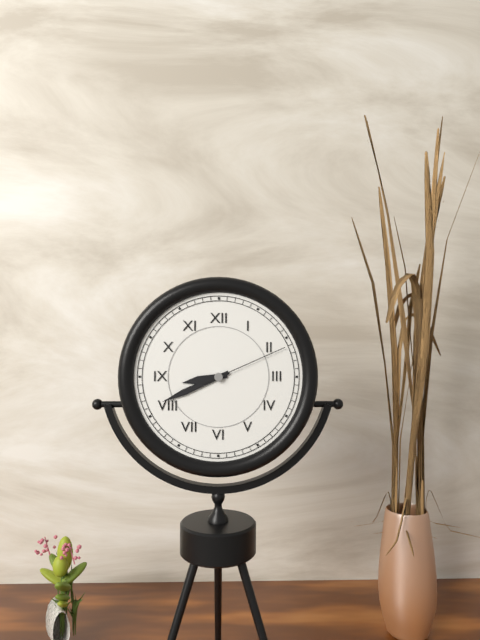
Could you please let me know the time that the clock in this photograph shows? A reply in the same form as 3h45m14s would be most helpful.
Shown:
8h41m11s
